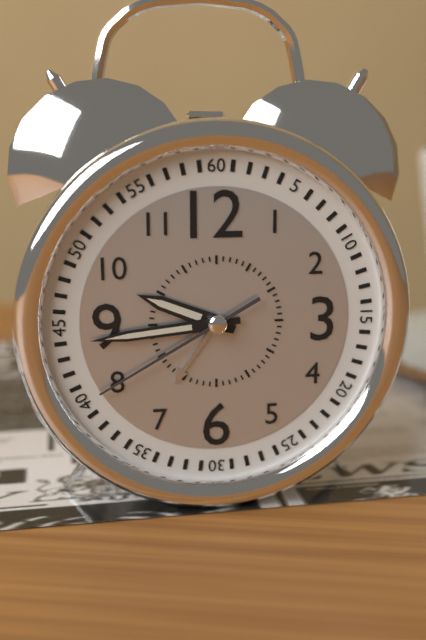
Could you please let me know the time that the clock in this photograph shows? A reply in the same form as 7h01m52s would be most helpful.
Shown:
9h44m40s
